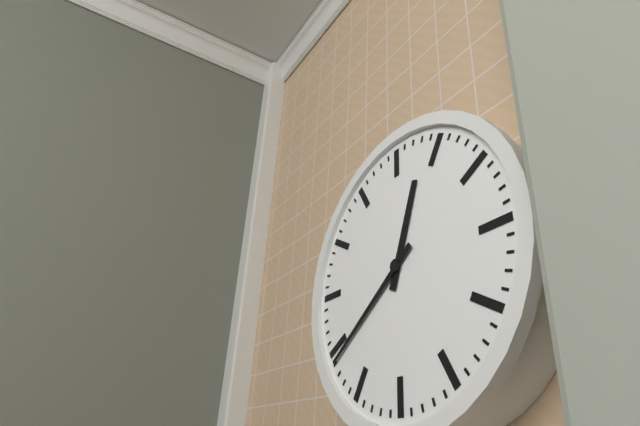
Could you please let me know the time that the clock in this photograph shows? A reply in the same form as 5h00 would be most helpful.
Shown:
12h39
